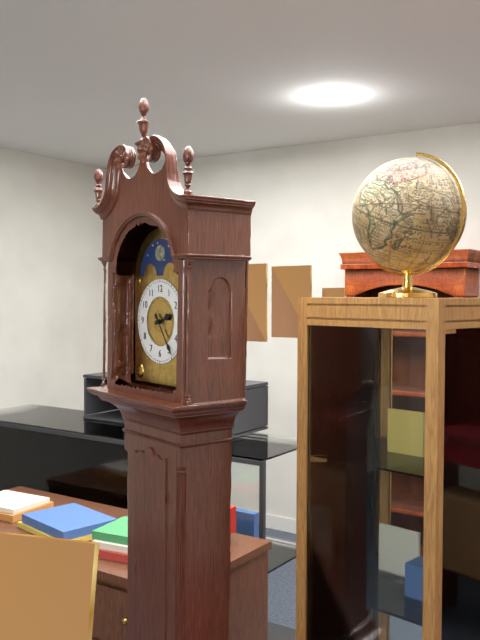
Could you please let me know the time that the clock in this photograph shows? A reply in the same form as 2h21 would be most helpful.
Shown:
2h24
